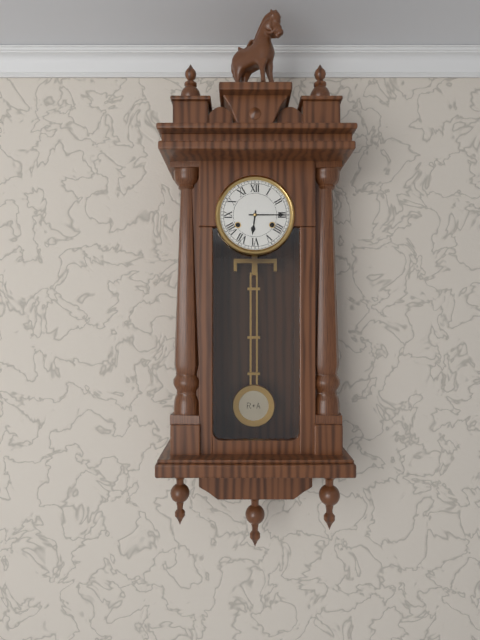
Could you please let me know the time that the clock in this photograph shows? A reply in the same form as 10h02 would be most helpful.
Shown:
6h15
